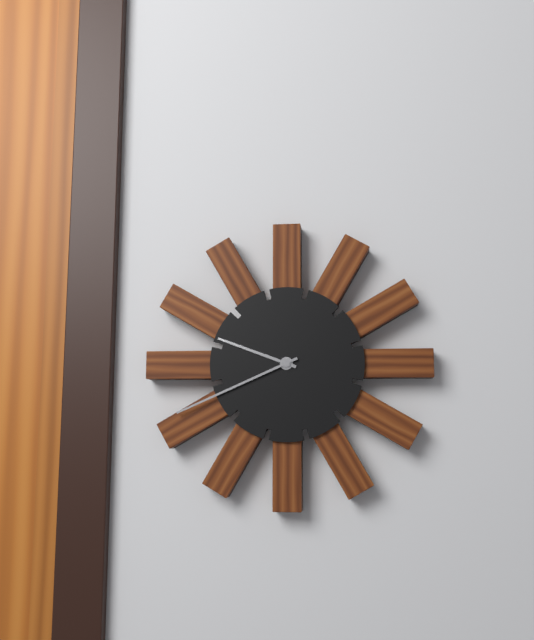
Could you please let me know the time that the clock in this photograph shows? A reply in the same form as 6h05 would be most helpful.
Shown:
9h41
